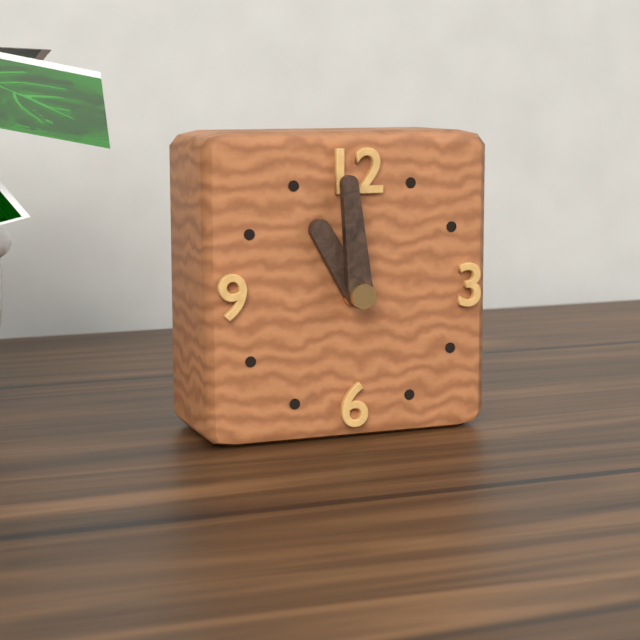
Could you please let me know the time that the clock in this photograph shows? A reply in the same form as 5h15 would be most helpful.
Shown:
10h59
